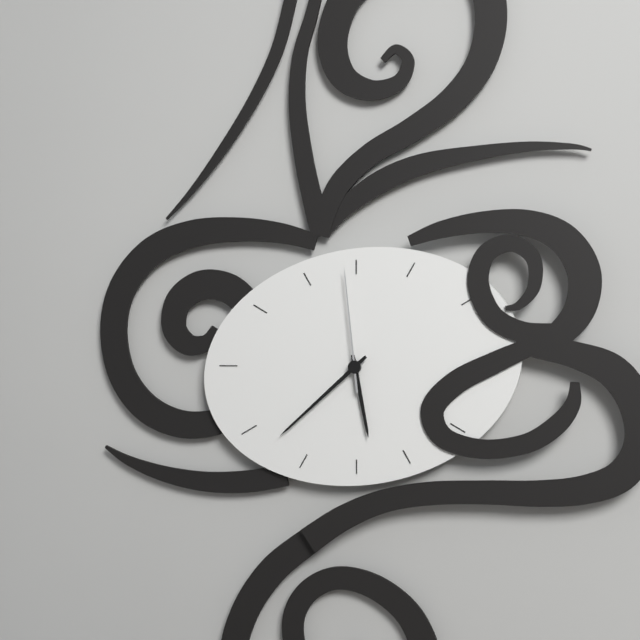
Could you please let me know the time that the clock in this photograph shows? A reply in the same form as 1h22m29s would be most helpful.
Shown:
5h38m59s
